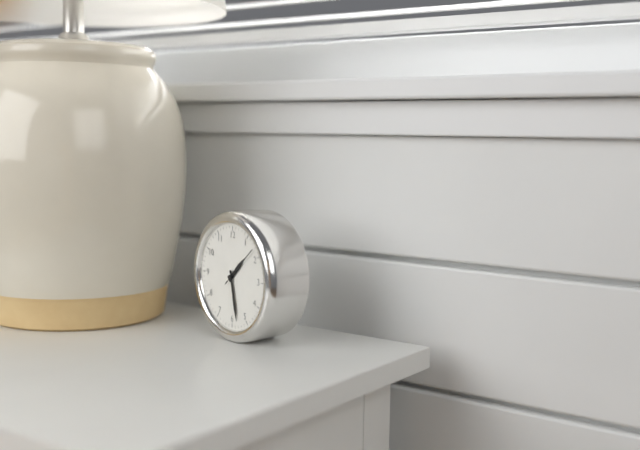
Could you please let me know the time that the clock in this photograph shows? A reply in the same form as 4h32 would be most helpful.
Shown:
1h28
